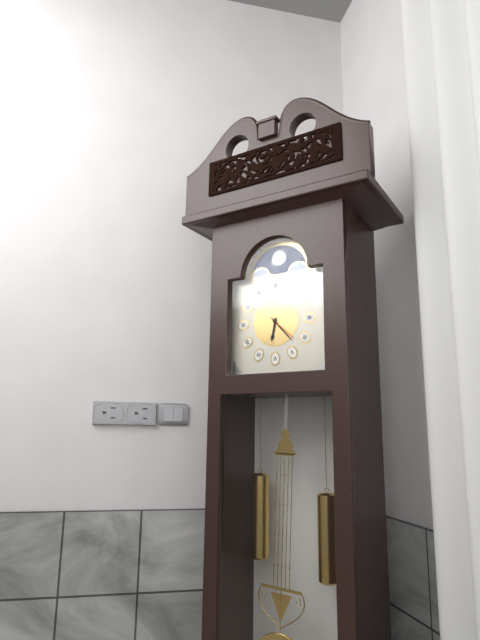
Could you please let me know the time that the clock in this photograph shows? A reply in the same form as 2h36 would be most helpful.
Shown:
6h23
